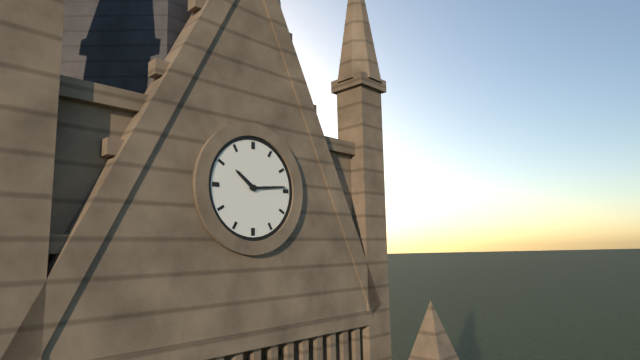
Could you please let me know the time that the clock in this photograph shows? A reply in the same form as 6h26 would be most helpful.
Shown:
10h14
